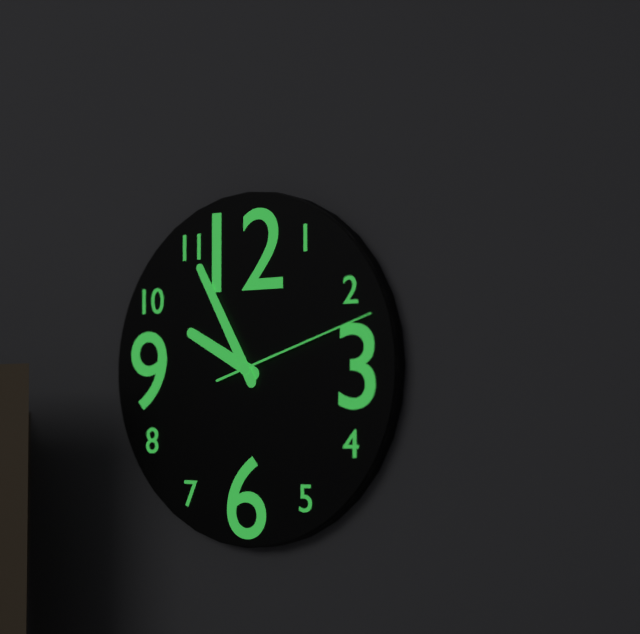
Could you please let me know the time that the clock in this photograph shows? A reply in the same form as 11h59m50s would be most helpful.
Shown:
9h55m12s
